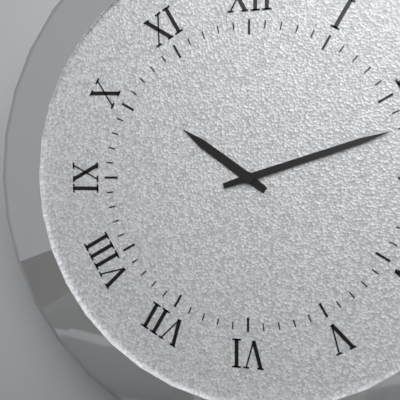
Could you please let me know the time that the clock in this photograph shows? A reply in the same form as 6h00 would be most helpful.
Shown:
10h12
